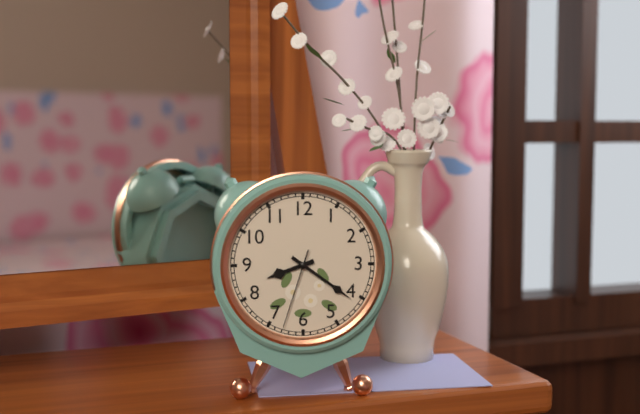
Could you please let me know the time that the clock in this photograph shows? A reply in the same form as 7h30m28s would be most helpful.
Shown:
8h21m33s
